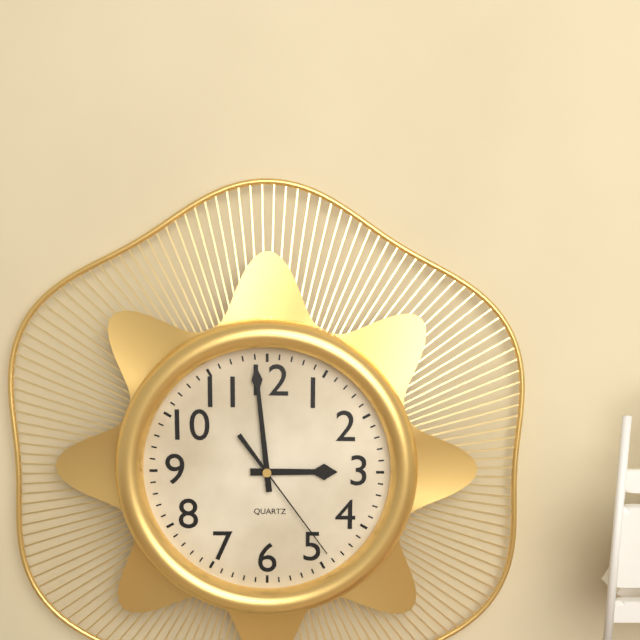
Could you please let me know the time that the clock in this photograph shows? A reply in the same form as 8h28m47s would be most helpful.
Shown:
2h59m24s
